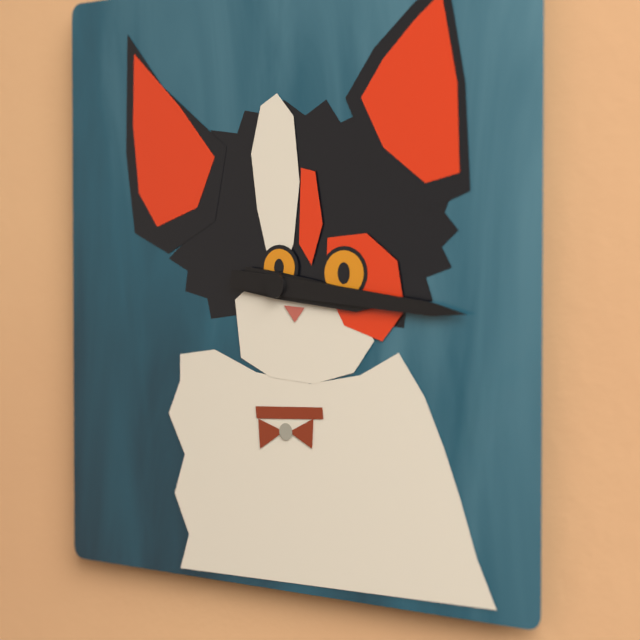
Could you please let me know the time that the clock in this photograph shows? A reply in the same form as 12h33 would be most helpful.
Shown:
3h16
